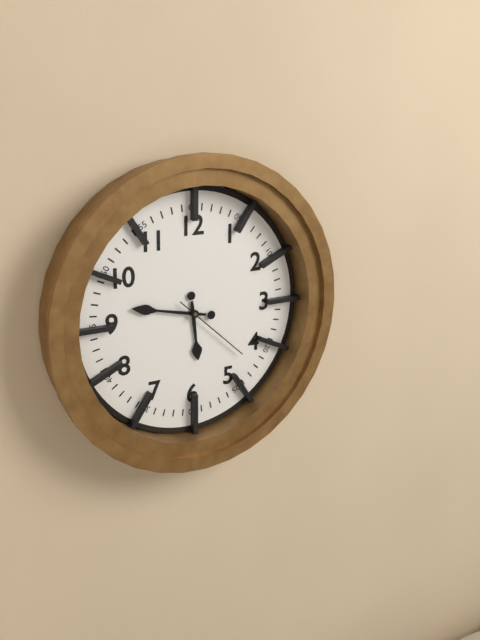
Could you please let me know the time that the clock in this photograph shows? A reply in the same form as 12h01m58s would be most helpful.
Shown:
5h47m22s
